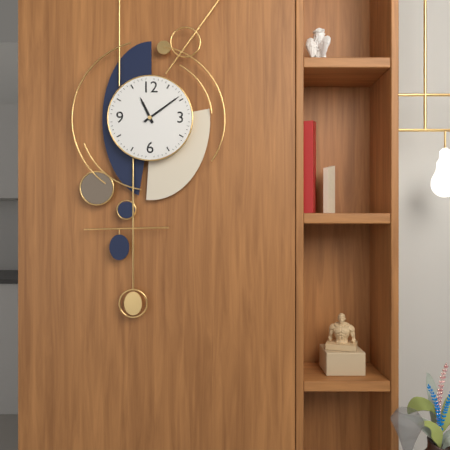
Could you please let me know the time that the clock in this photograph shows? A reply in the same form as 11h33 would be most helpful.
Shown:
11h09
